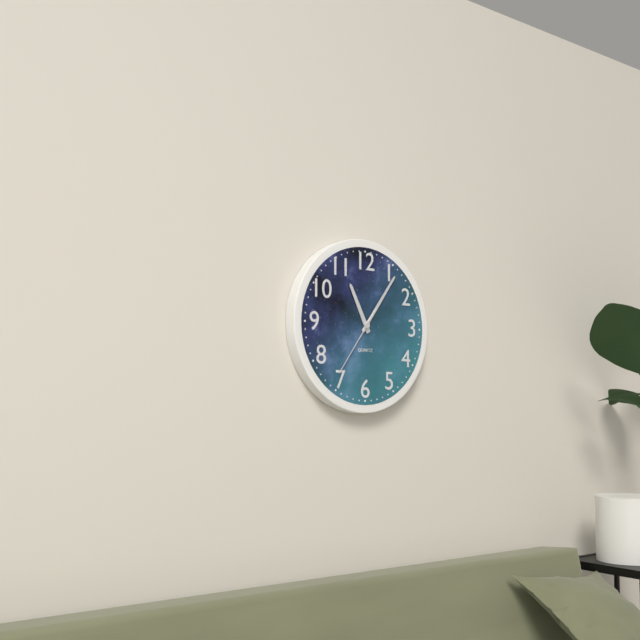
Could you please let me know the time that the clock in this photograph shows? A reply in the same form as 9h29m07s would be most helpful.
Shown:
11h06m36s
